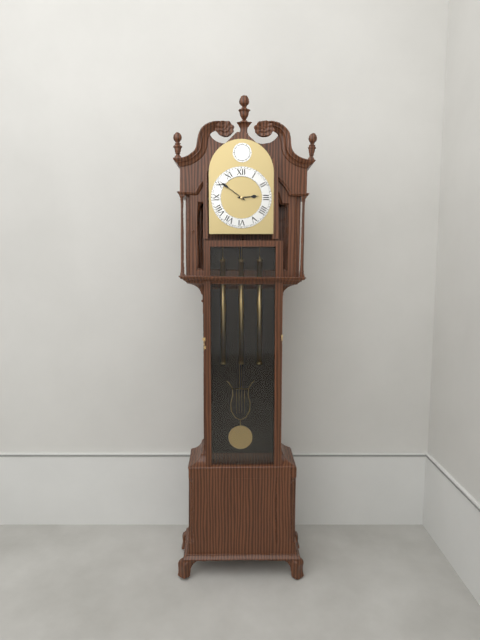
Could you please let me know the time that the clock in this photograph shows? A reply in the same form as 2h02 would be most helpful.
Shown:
2h51
